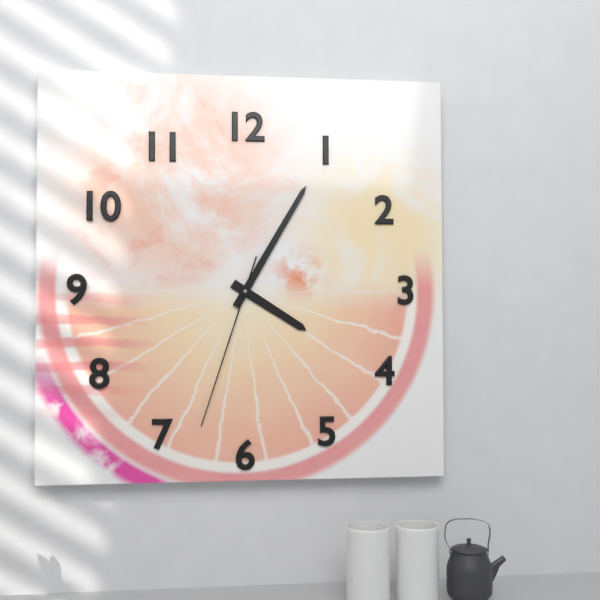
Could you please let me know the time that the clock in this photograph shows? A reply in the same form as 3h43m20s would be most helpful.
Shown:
4h05m33s
